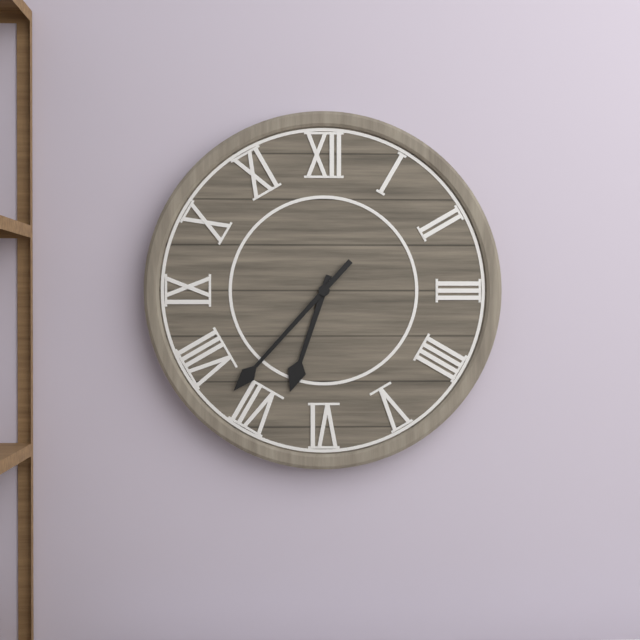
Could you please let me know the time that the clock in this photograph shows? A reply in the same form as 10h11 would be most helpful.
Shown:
6h37
